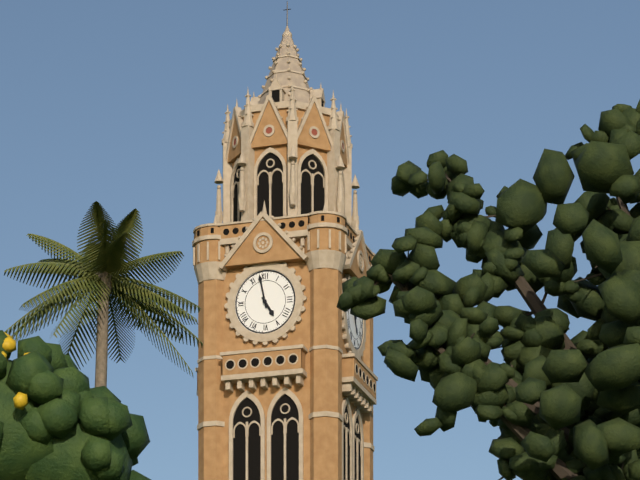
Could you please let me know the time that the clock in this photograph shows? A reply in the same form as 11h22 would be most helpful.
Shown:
4h58
